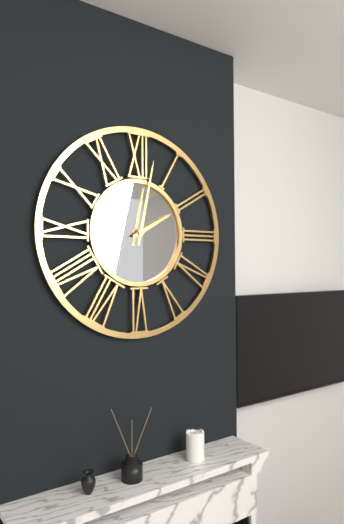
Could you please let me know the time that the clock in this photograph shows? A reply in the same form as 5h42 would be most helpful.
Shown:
2h02
